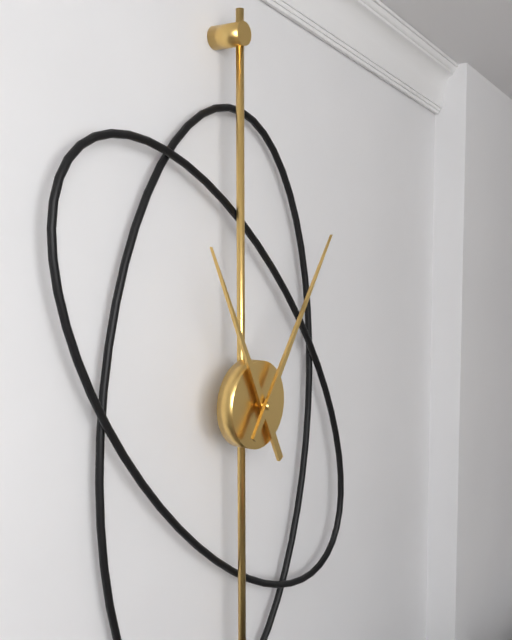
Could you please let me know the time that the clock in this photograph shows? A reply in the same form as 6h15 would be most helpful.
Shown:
11h06
